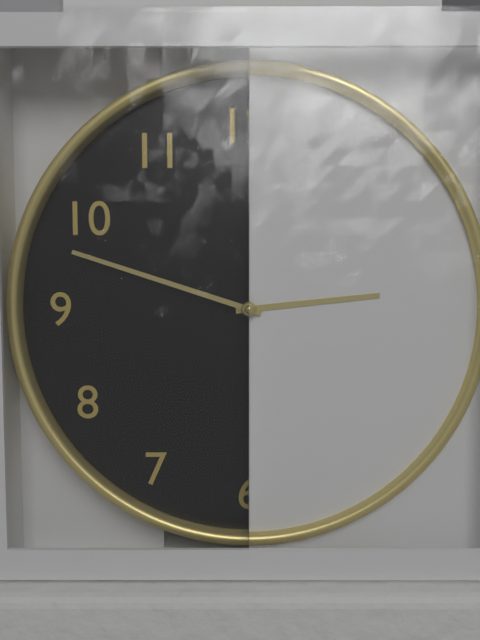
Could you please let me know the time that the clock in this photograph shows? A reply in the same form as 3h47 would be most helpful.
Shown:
2h48
